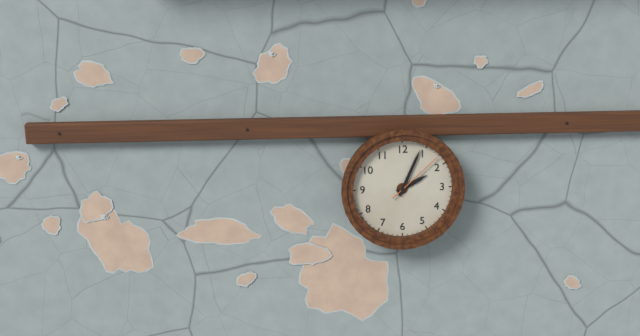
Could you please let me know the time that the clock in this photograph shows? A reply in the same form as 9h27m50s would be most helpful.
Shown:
2h04m08s
